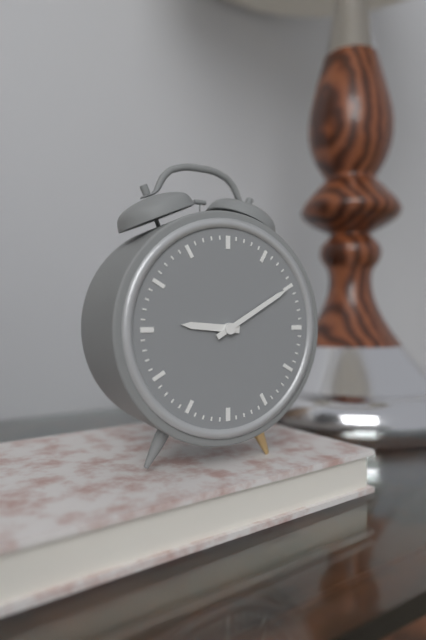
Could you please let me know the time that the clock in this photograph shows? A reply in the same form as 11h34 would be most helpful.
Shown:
9h10
